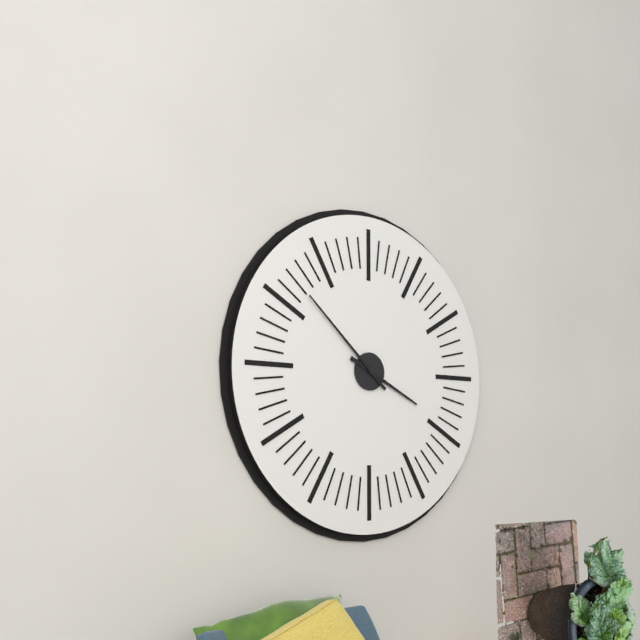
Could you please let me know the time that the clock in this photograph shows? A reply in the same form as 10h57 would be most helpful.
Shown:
3h52
